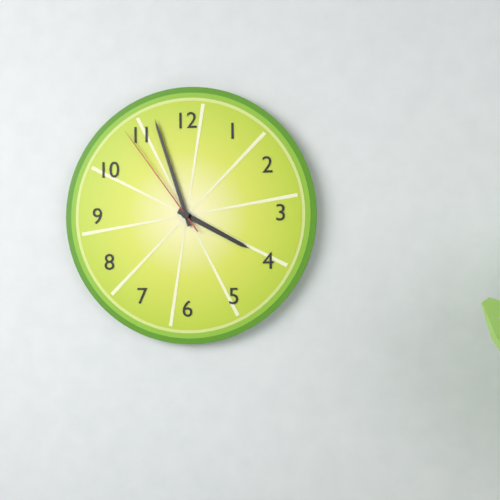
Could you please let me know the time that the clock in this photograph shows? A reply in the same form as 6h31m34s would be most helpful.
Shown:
3h57m54s
